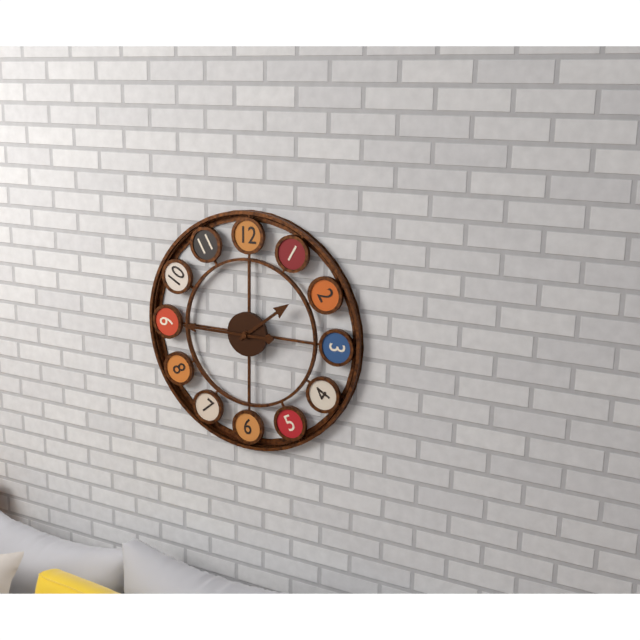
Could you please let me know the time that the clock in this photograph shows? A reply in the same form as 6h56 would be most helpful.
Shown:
1h45
